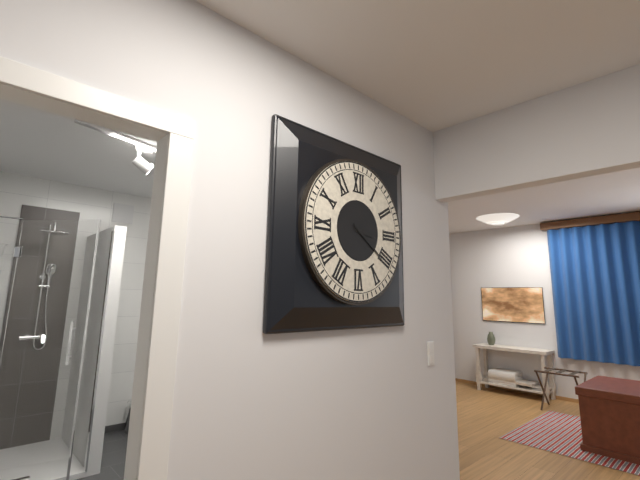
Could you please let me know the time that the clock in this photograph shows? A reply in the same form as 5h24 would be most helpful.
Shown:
3h21
